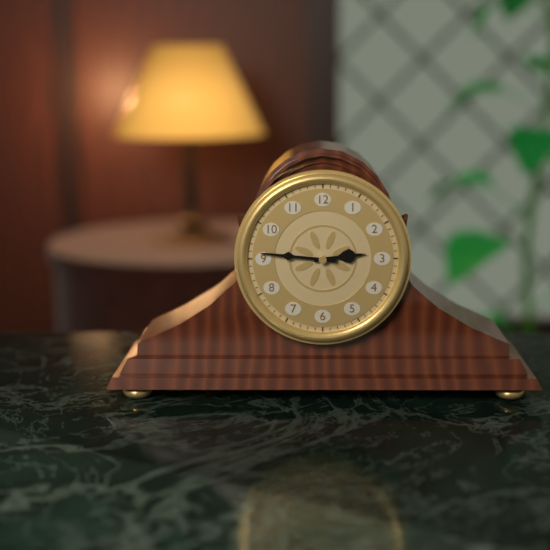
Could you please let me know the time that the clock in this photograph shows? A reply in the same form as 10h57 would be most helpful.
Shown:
2h46
